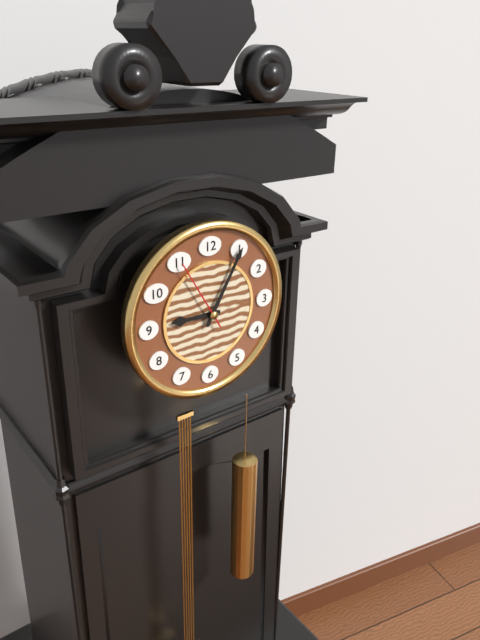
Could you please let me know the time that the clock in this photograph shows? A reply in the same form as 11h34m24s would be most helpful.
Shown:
9h05m55s
